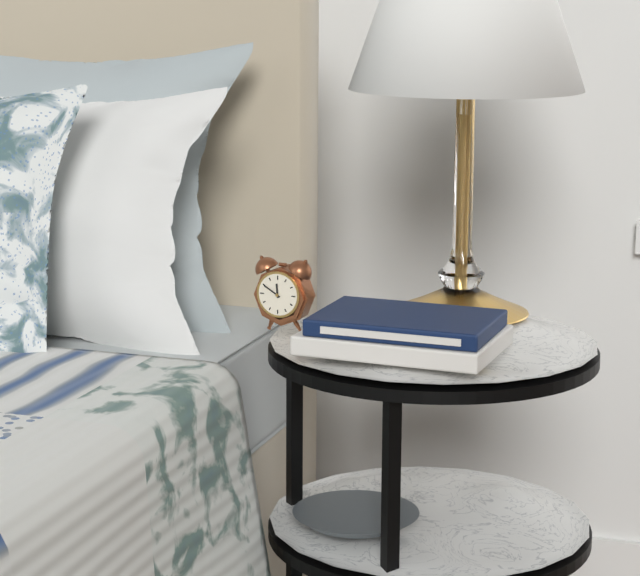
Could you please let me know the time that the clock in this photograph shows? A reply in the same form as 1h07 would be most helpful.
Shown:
11h50
